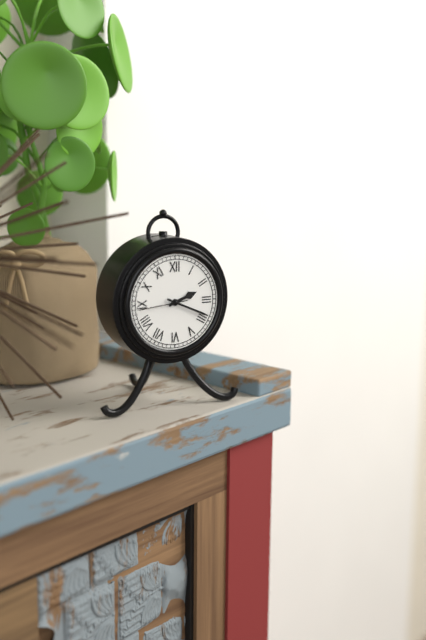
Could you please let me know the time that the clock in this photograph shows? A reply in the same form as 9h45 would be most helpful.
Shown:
2h19
